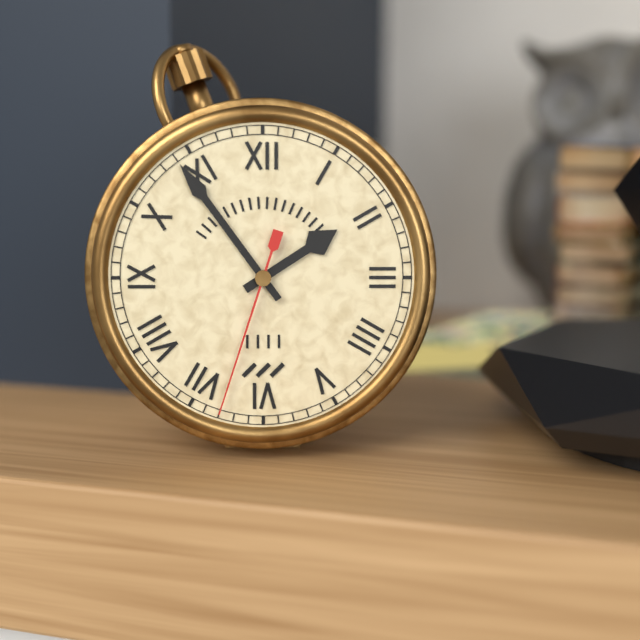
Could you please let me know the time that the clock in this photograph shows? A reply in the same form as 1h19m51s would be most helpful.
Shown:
1h54m33s
